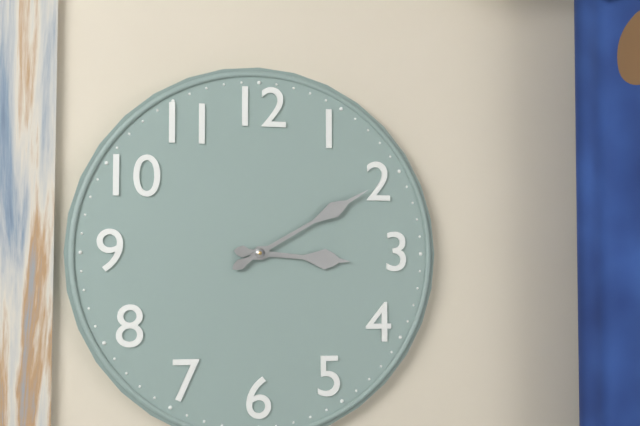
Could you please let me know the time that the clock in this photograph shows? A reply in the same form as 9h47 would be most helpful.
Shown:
3h10
